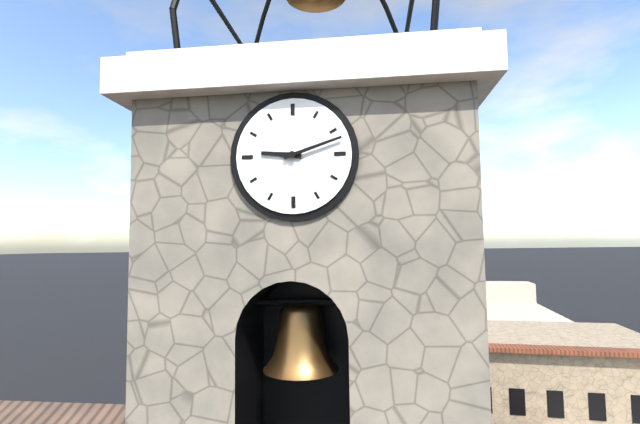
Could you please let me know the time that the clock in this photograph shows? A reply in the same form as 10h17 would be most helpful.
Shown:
9h12
